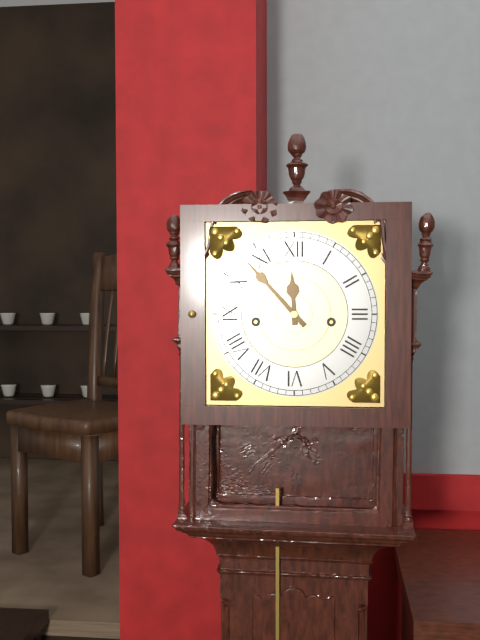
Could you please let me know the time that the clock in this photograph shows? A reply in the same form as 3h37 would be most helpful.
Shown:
11h53
